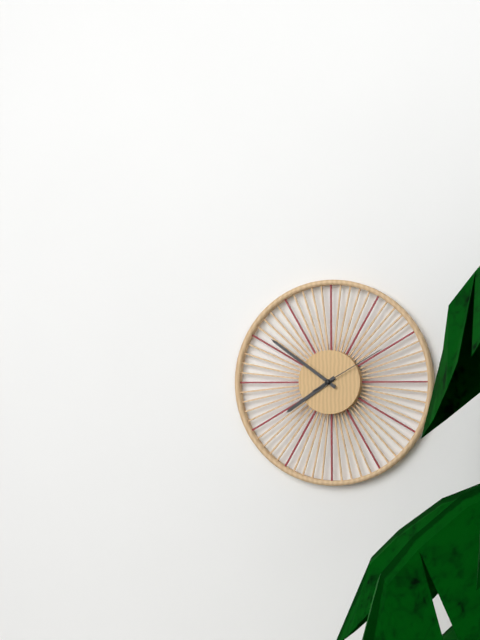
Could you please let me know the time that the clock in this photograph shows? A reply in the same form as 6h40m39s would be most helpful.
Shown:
7h51m10s
